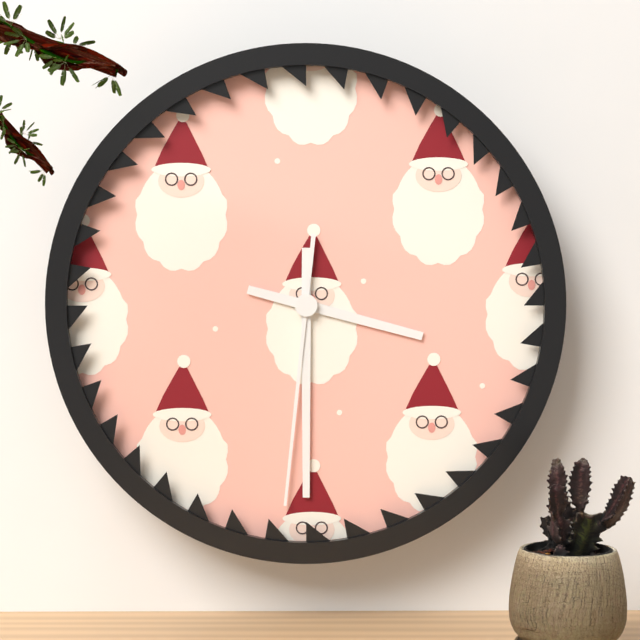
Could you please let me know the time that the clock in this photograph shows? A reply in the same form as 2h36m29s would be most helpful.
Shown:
3h30m31s
